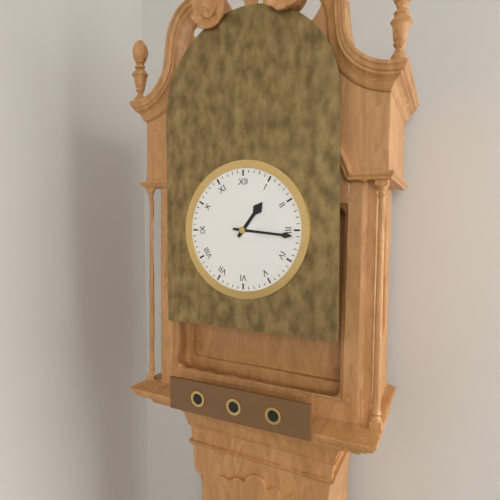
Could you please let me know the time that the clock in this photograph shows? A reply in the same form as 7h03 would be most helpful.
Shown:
1h16
